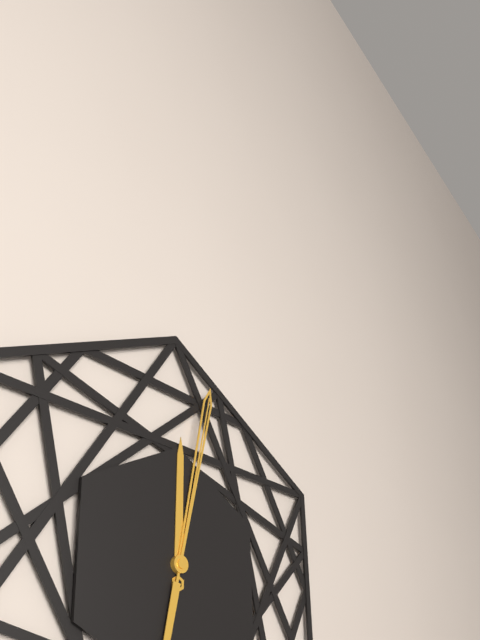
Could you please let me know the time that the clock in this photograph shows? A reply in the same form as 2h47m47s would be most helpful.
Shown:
12h02m02s
